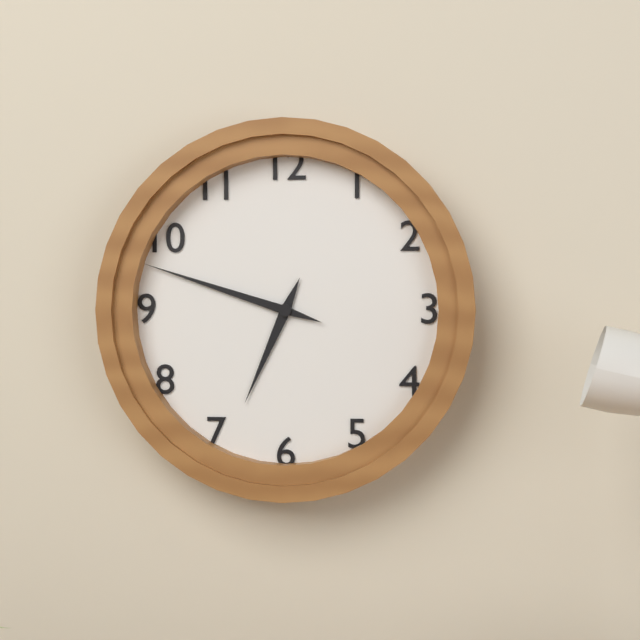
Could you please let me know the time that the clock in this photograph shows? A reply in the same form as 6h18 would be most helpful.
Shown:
6h48
